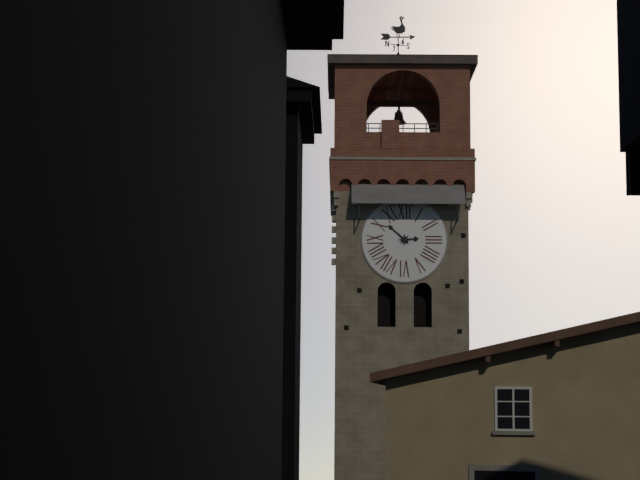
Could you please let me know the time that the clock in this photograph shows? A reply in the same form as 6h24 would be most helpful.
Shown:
2h52
